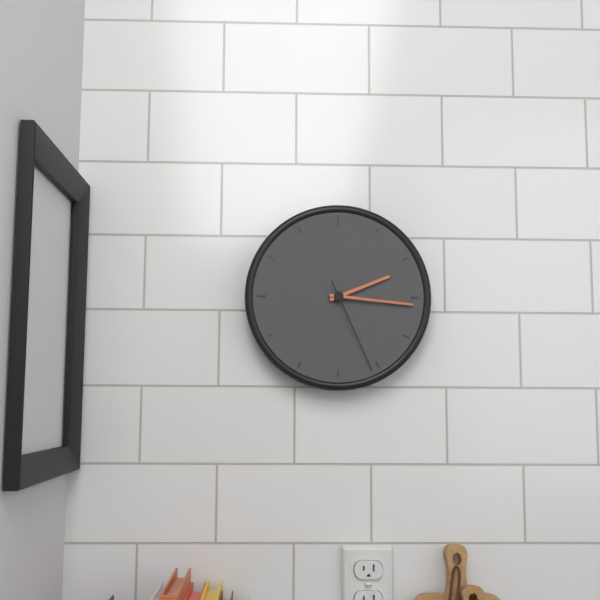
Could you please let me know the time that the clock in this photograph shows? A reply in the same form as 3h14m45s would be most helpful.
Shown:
2h16m26s
